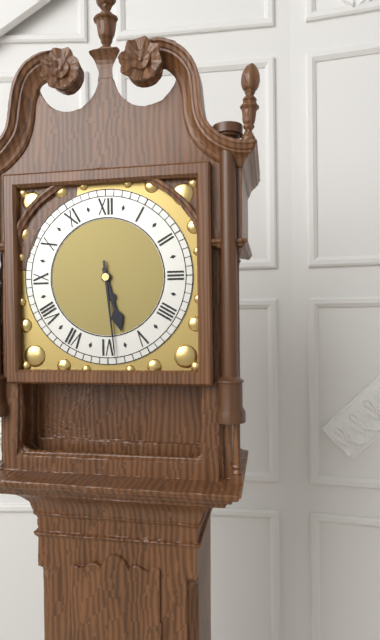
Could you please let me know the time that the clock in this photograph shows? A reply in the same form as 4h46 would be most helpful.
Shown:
5h29
